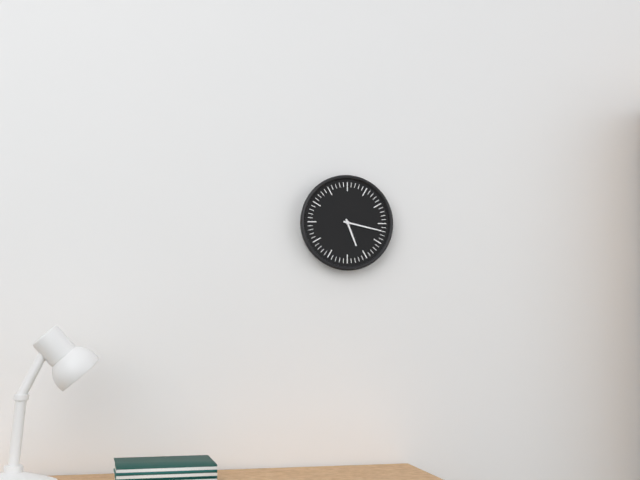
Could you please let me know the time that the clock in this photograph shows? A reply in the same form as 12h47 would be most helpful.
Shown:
5h17
